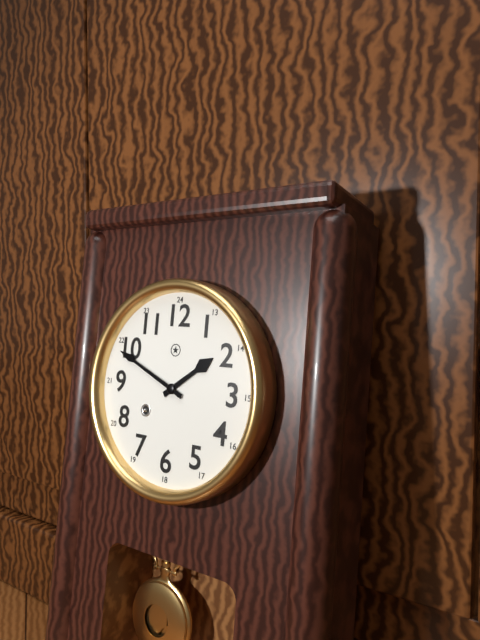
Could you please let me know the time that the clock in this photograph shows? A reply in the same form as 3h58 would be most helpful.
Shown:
1h49
